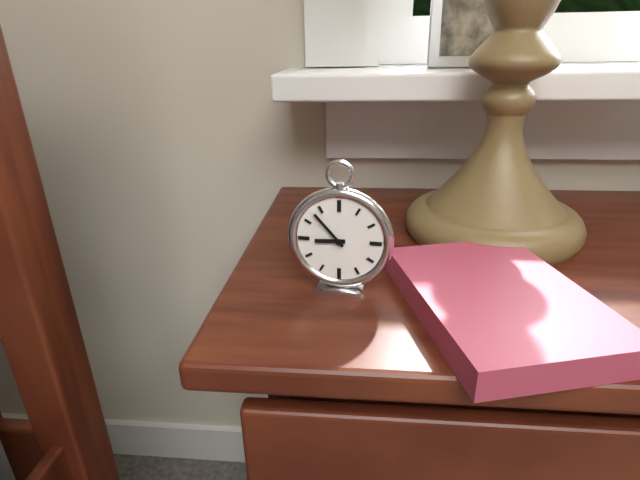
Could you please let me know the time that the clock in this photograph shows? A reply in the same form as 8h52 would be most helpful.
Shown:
8h53
